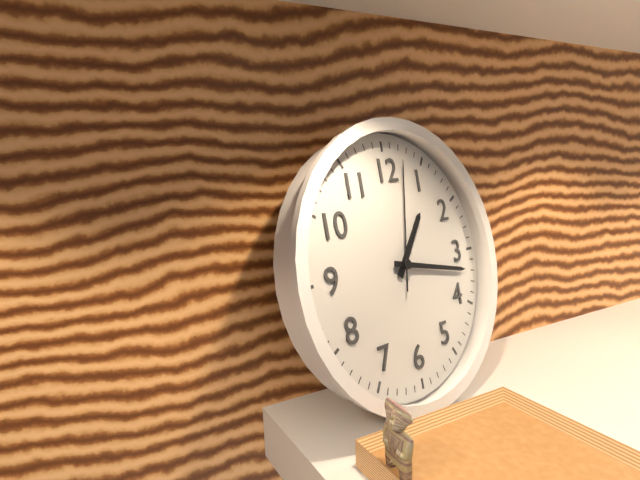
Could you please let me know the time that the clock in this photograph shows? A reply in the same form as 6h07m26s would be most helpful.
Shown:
1h17m02s
